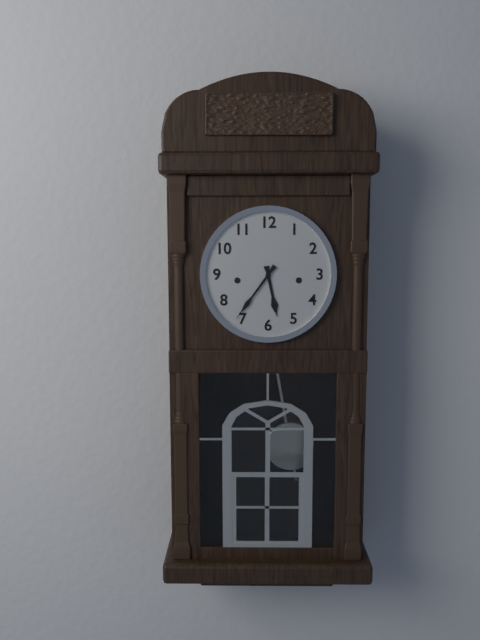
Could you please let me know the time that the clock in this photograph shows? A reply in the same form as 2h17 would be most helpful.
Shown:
5h36
